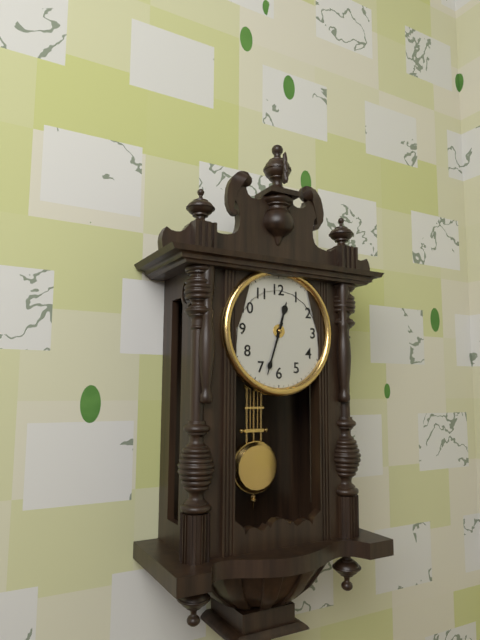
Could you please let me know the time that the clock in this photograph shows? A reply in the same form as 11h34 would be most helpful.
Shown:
12h33
